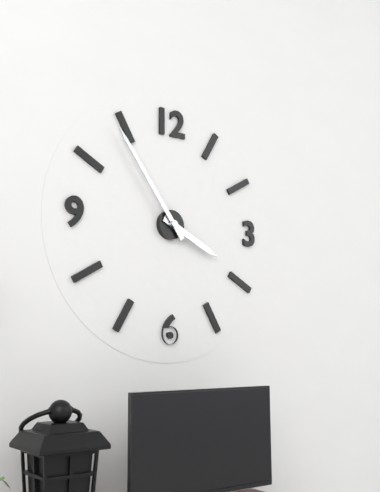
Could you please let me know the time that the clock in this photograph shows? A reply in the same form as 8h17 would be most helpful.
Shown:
3h54
